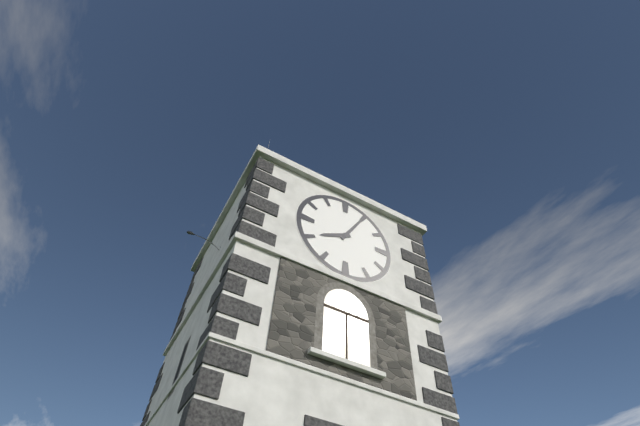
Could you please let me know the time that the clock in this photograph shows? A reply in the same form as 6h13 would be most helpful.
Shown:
8h05
